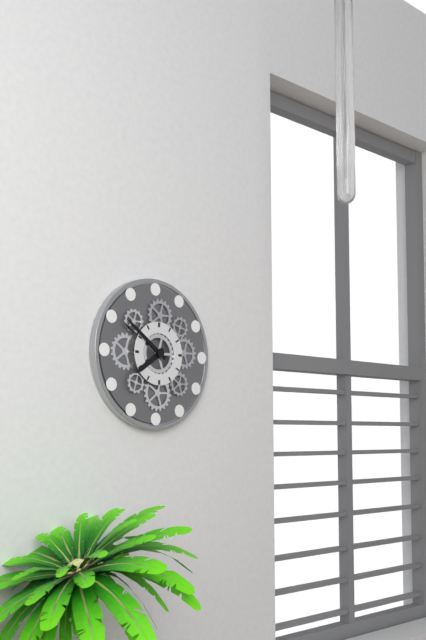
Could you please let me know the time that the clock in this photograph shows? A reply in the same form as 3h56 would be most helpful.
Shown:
7h51
